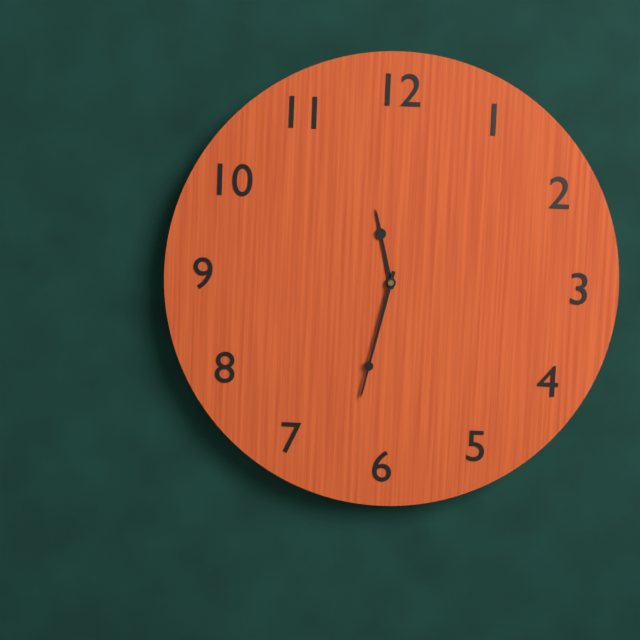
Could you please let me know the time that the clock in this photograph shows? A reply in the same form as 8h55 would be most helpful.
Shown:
11h32
